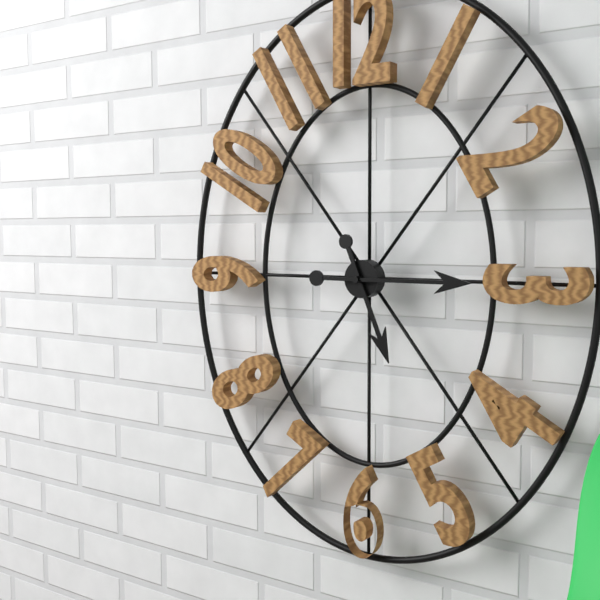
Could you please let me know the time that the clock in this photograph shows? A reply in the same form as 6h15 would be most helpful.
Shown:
5h15
